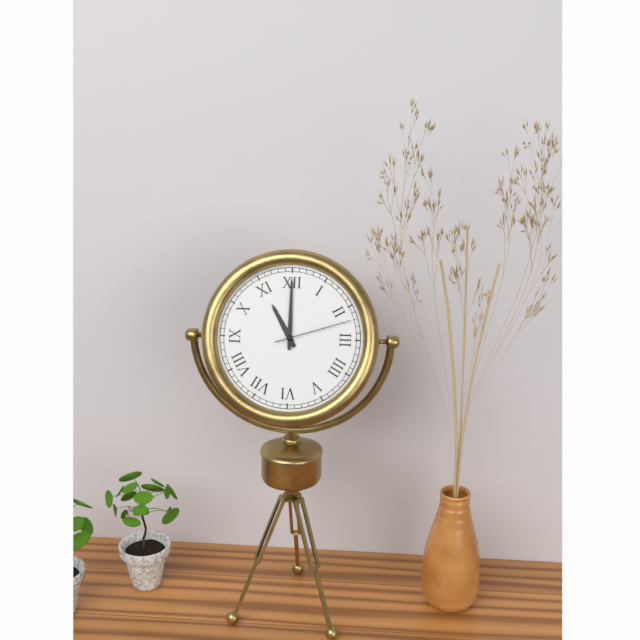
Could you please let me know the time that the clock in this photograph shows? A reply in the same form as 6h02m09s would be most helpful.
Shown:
11h00m12s
